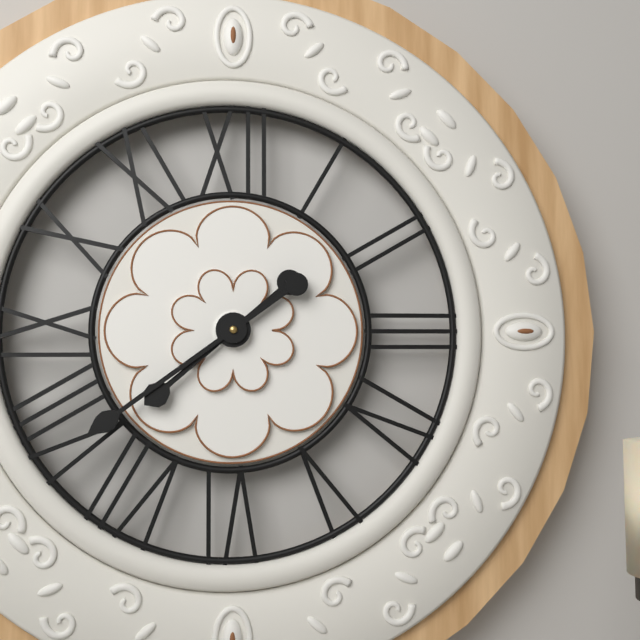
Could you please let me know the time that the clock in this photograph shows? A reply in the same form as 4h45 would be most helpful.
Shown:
7h39
